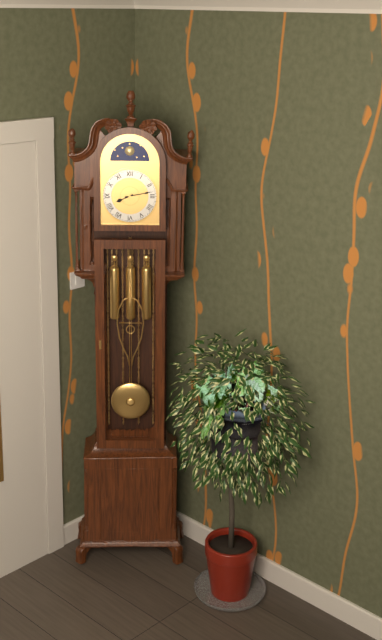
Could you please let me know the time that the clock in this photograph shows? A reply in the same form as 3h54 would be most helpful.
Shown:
8h13
